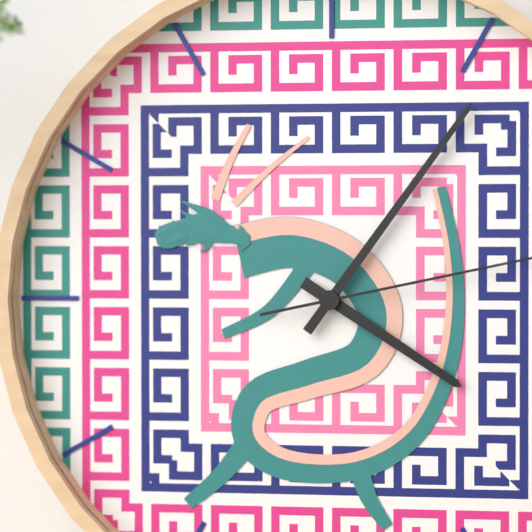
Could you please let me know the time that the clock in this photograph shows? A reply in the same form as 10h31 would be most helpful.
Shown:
4h06
